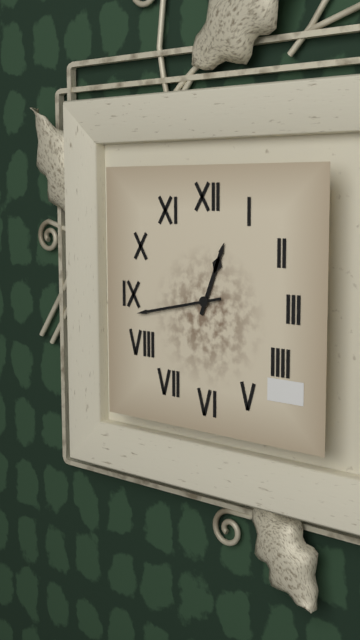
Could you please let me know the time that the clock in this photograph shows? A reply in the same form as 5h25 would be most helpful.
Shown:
12h43
